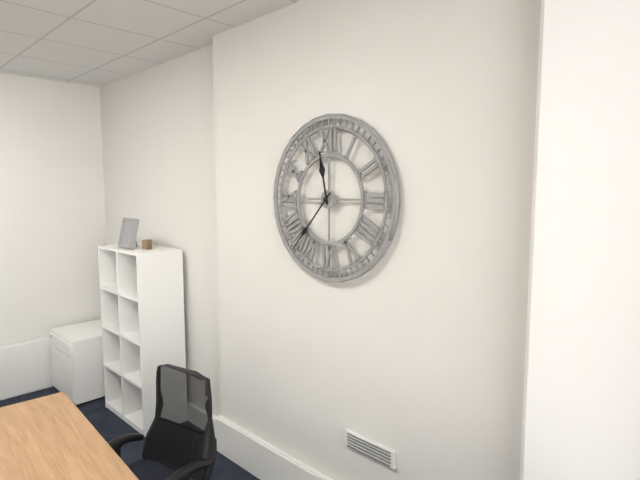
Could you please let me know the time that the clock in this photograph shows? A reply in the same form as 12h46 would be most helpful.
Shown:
11h37
